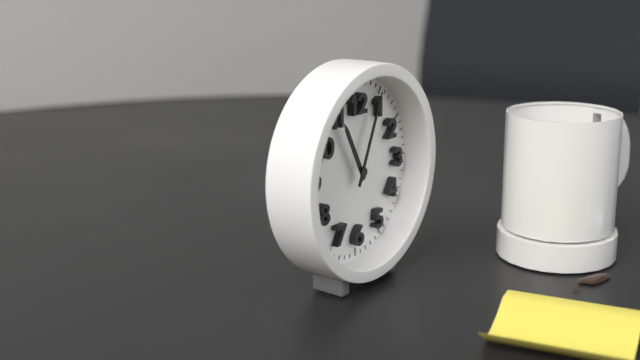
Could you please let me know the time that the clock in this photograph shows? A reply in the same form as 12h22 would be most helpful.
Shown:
11h04
